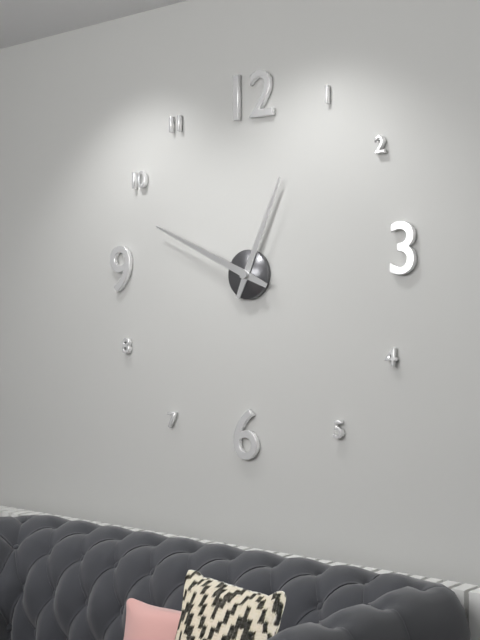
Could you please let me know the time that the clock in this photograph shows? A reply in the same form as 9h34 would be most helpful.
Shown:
12h49
